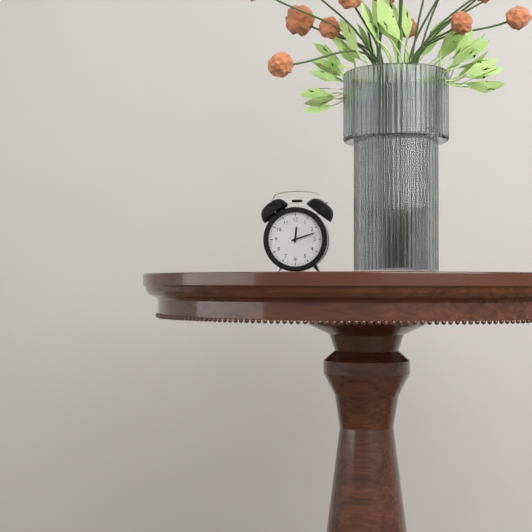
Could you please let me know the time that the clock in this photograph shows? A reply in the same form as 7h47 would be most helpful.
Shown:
12h12
